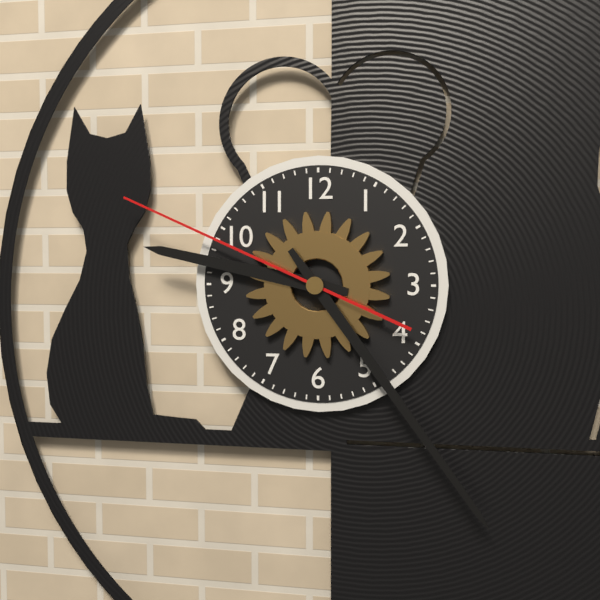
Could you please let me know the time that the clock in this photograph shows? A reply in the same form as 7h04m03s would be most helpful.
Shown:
9h24m49s
